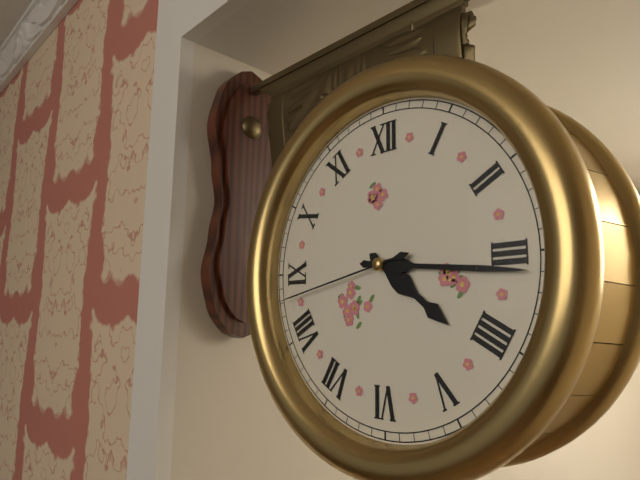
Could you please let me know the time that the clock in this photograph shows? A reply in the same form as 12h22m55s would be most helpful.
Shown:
4h16m43s
